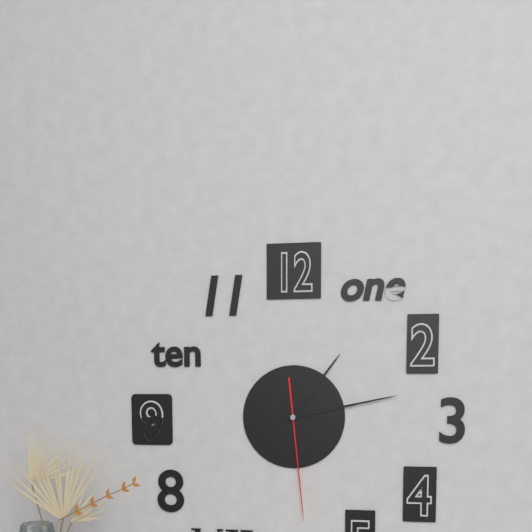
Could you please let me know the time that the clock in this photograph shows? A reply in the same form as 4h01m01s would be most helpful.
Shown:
1h13m29s
